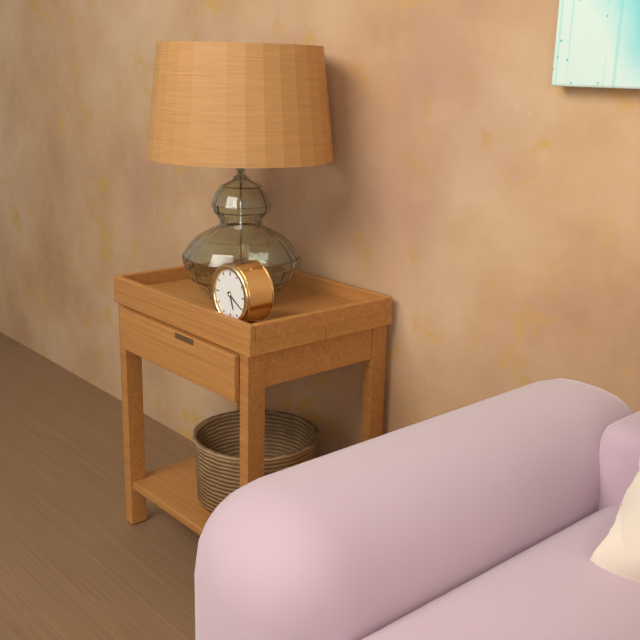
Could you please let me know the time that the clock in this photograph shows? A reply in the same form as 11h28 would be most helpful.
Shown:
5h20
